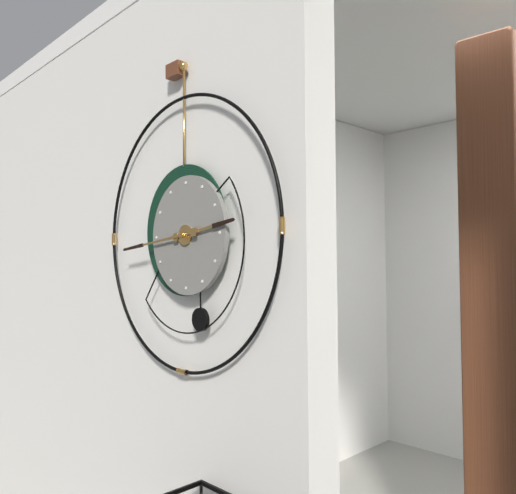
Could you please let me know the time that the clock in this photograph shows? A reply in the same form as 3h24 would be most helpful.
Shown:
2h44
